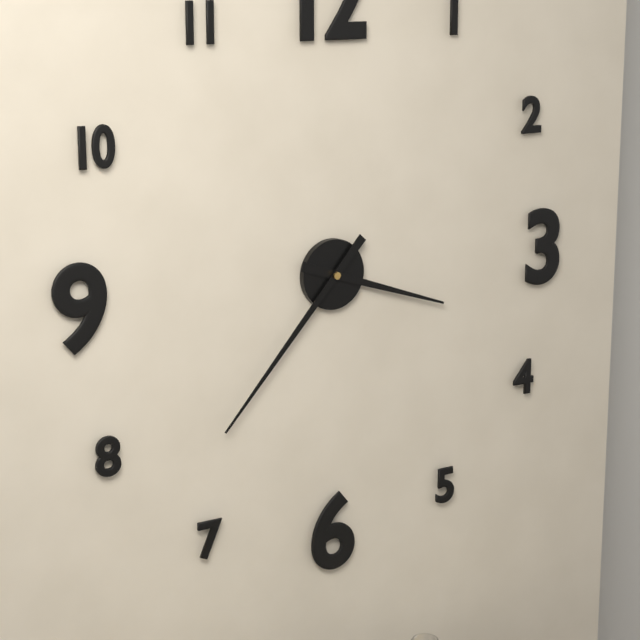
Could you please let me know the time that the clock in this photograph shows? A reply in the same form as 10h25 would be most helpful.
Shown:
3h37
